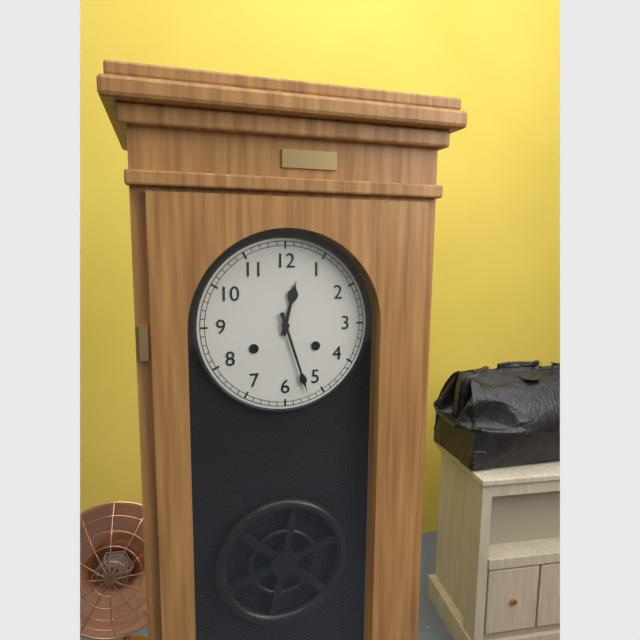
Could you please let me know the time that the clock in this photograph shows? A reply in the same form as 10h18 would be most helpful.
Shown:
12h27
